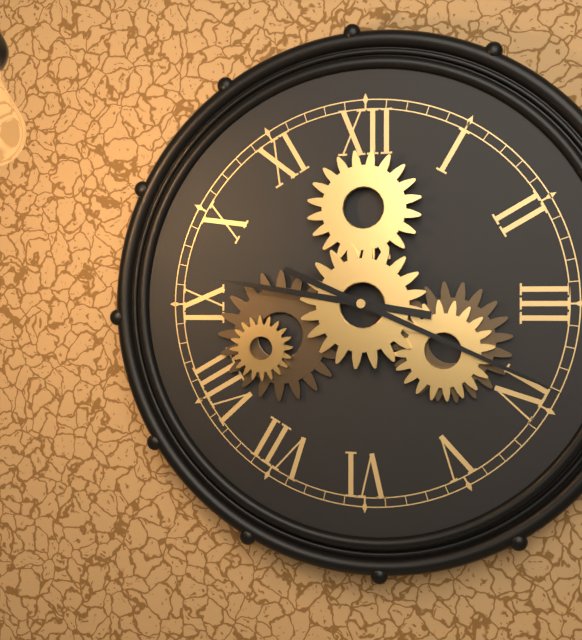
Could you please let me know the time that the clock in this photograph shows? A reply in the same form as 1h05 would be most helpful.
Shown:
9h19
